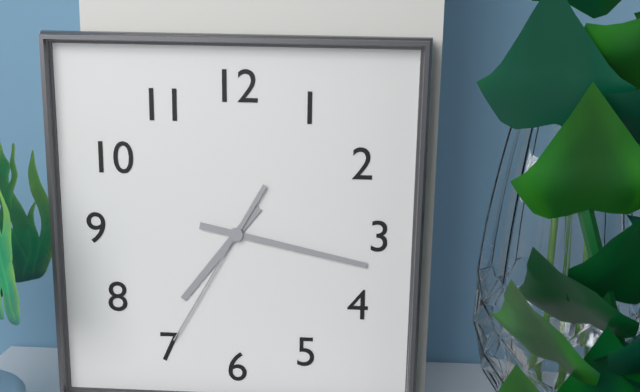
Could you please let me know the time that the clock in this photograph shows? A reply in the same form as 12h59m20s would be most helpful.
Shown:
7h17m35s
